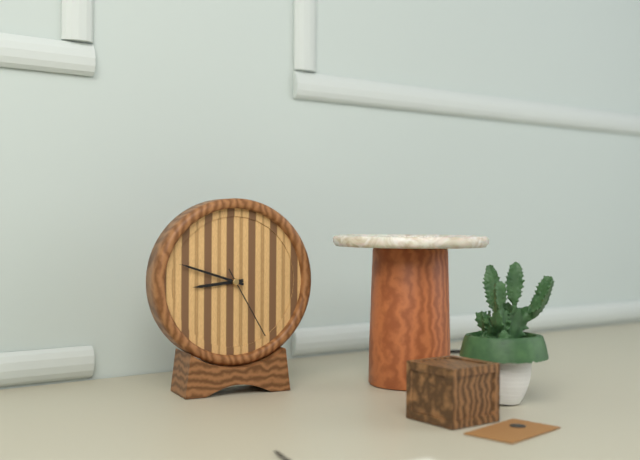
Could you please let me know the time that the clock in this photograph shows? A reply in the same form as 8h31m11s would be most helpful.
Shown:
8h48m25s
